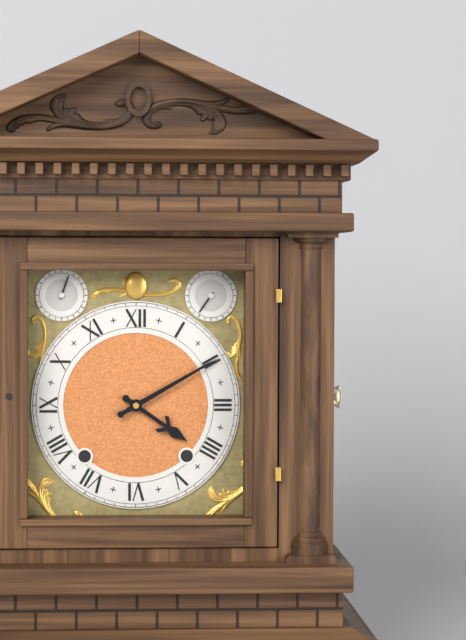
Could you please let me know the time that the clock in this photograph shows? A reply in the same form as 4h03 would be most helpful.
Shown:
4h10
